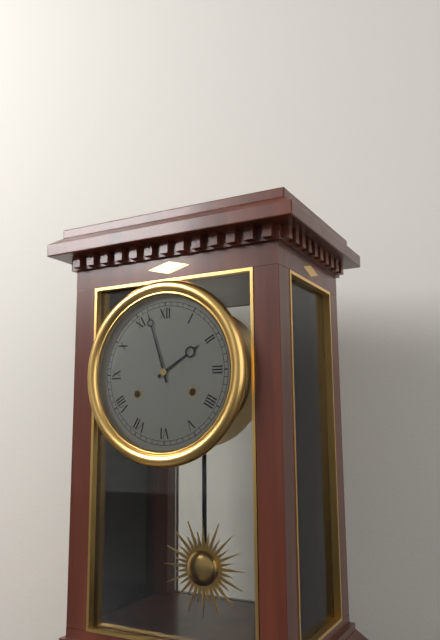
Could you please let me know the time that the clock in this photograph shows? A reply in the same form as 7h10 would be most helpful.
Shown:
1h57
